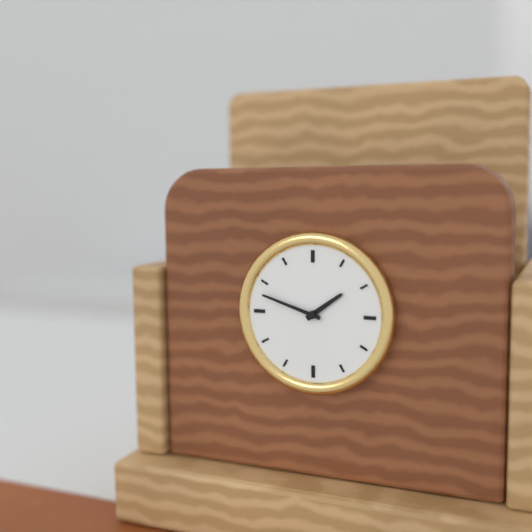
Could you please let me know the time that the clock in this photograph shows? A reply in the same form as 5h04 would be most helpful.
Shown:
1h48
